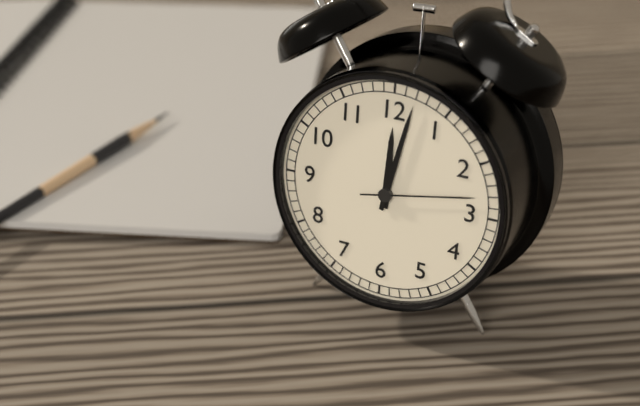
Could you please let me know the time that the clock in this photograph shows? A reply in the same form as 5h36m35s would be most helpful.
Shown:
12h02m13s
